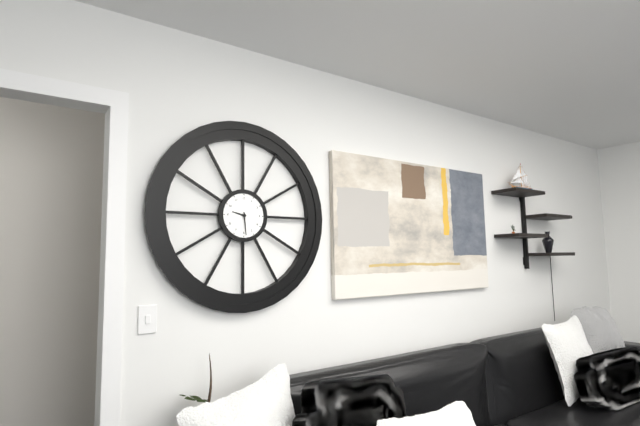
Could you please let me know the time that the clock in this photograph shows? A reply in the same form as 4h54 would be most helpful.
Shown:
9h29
